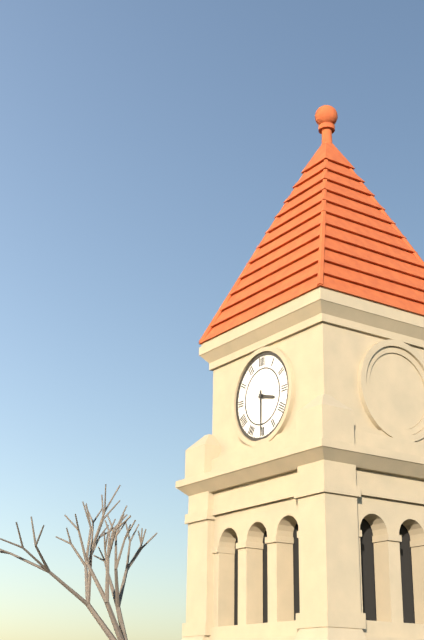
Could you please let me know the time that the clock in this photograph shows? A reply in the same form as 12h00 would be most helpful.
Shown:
3h30
